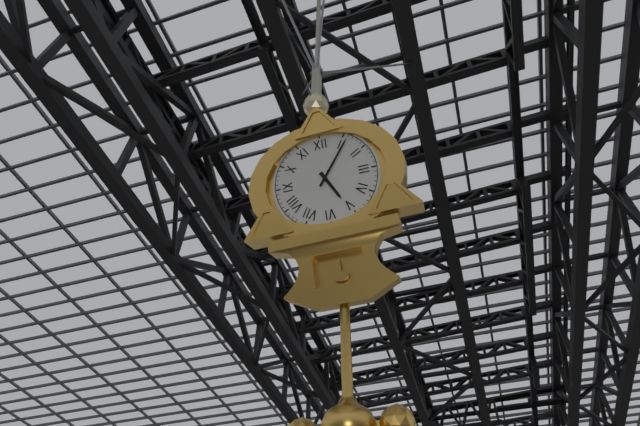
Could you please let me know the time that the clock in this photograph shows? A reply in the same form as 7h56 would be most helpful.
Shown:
5h06
